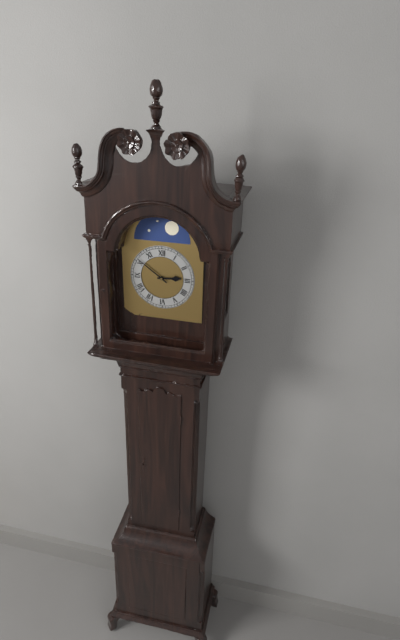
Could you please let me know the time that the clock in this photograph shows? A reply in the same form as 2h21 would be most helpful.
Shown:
2h51
